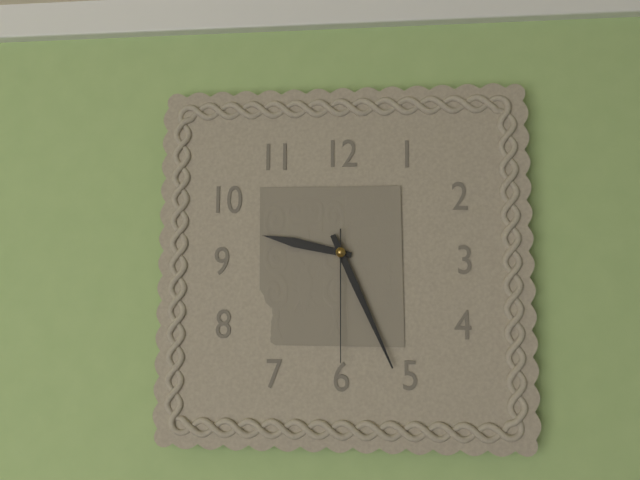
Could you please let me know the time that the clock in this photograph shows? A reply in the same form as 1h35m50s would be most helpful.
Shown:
9h26m30s
